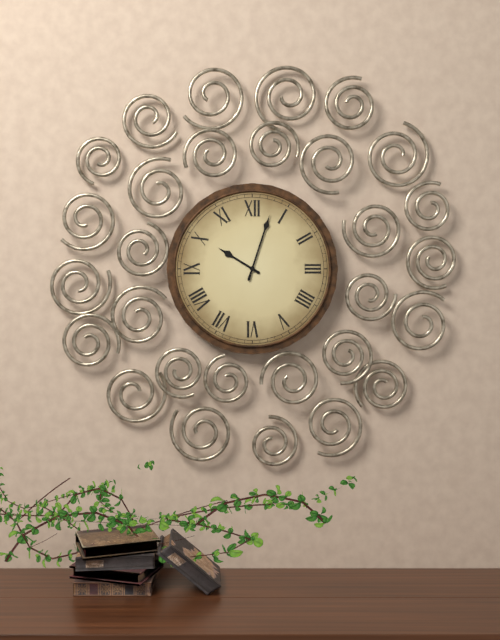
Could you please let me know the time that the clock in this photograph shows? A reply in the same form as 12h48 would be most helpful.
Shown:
10h03
